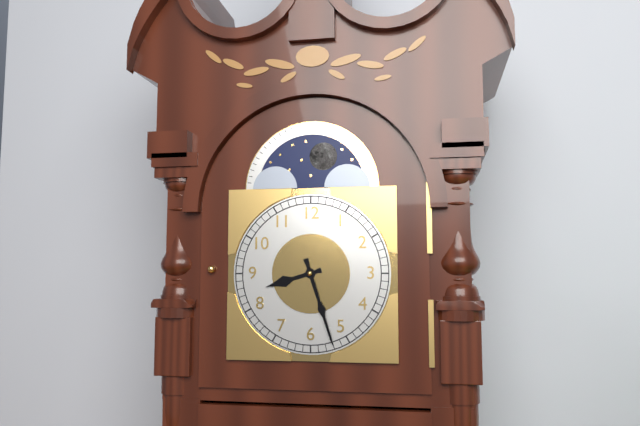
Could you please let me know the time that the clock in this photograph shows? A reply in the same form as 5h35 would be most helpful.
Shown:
8h27
